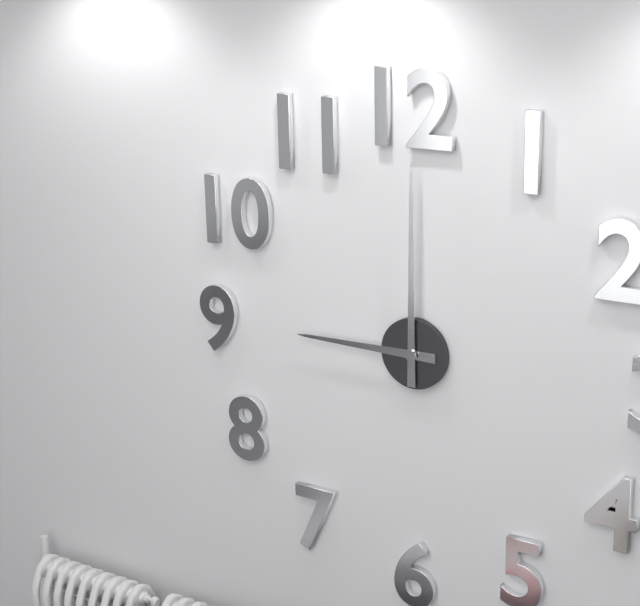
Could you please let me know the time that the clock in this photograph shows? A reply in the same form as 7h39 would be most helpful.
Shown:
9h00
